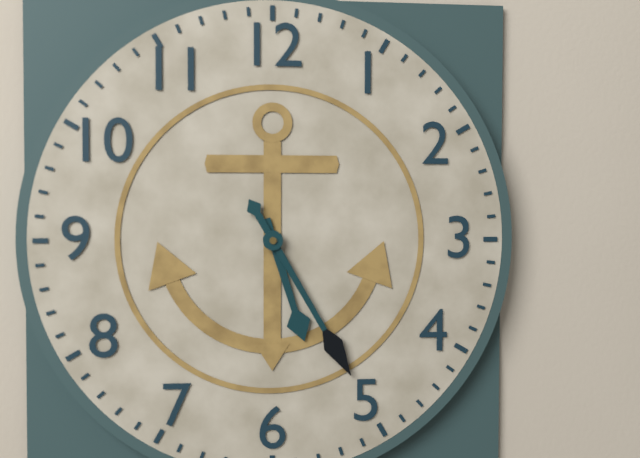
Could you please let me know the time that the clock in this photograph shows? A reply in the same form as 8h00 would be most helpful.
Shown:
5h25
